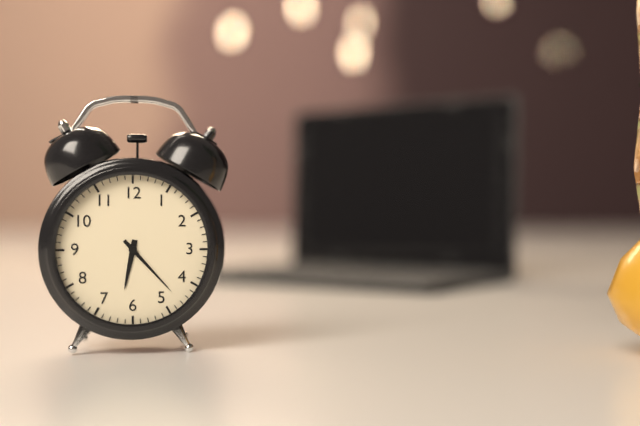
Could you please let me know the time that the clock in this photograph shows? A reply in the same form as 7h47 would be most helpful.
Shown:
6h23
